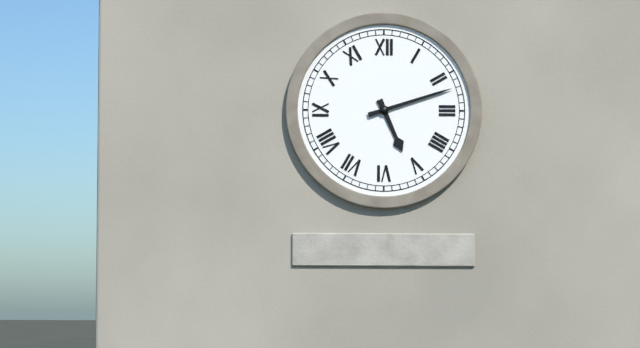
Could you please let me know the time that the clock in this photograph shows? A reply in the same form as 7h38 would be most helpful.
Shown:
5h12
